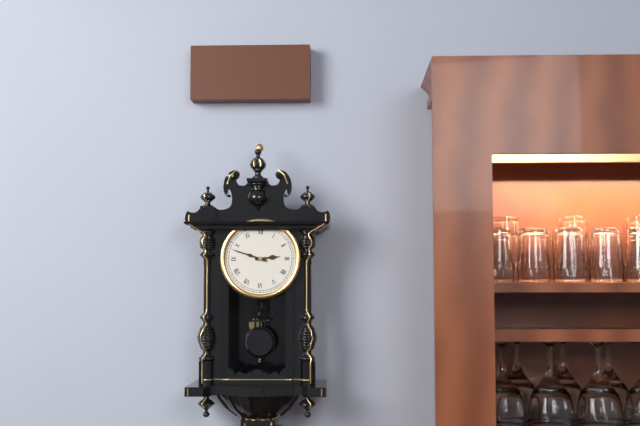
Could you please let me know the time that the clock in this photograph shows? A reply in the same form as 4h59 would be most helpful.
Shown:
2h48
